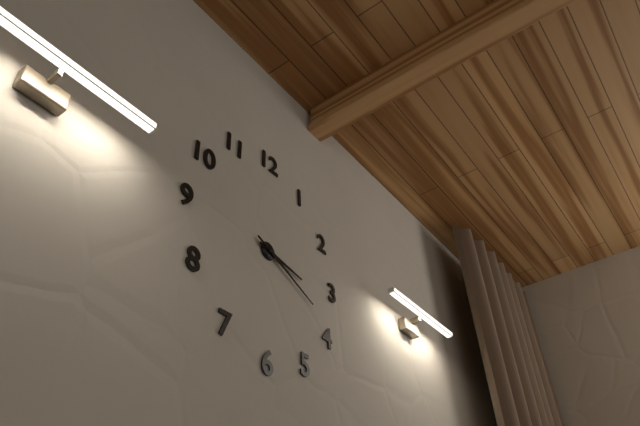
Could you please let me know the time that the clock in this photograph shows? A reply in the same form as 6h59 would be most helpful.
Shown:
3h19
